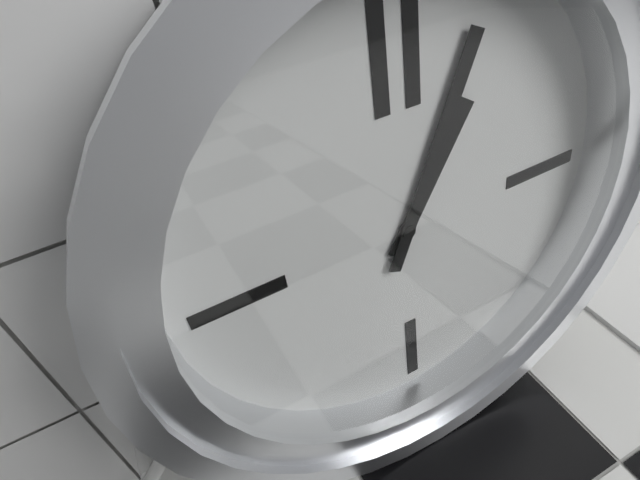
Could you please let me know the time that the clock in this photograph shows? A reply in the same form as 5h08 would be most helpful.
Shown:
1h04
